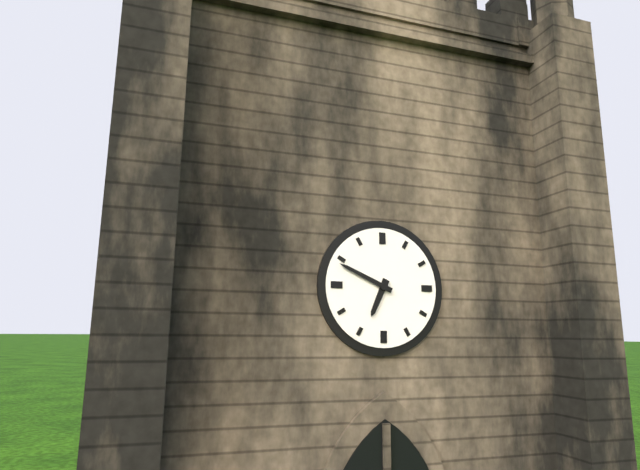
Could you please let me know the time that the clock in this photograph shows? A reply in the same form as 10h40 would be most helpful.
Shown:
6h49
